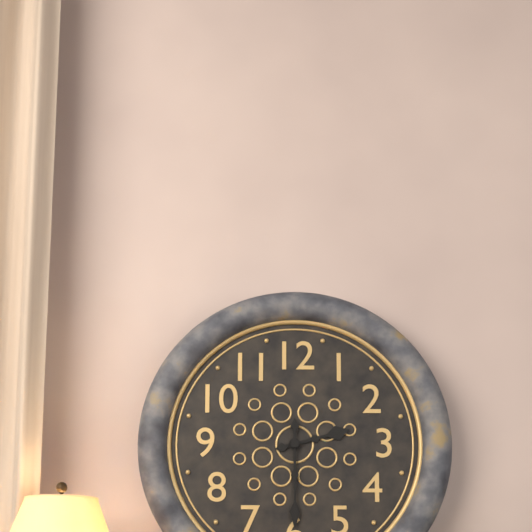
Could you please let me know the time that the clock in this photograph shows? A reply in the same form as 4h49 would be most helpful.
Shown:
2h30
